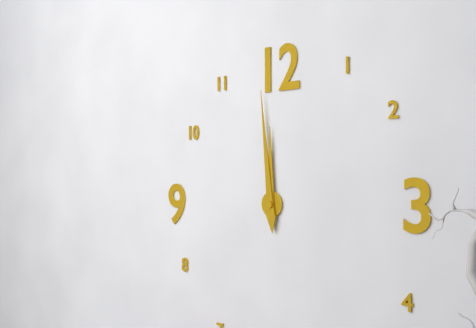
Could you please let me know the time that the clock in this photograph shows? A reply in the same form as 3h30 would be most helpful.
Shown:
11h59
